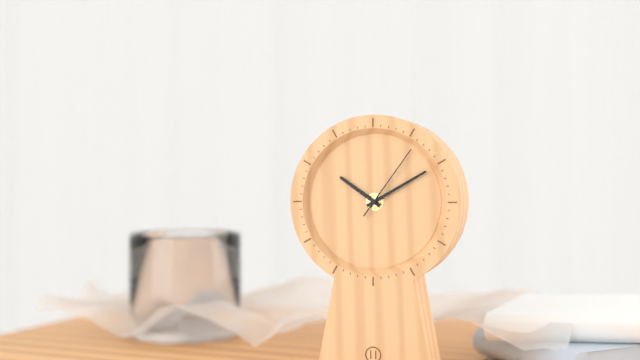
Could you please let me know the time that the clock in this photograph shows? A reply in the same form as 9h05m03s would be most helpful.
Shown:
10h10m06s
